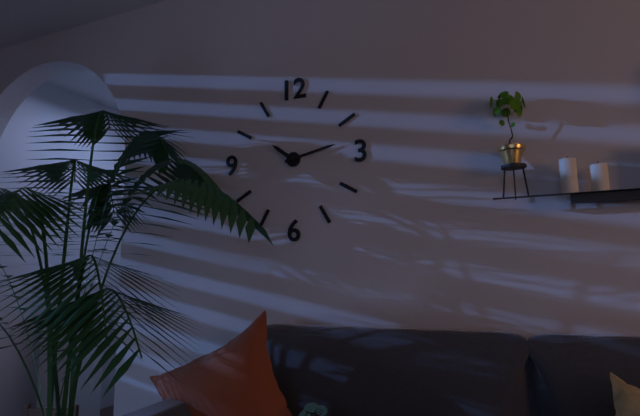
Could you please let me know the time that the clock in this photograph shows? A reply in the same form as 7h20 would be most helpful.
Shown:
10h13
